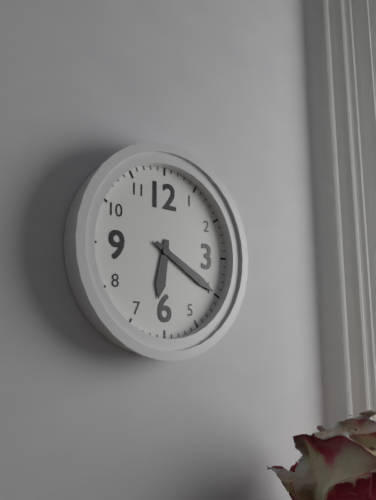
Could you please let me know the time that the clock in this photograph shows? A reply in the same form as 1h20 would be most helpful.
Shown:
6h20
